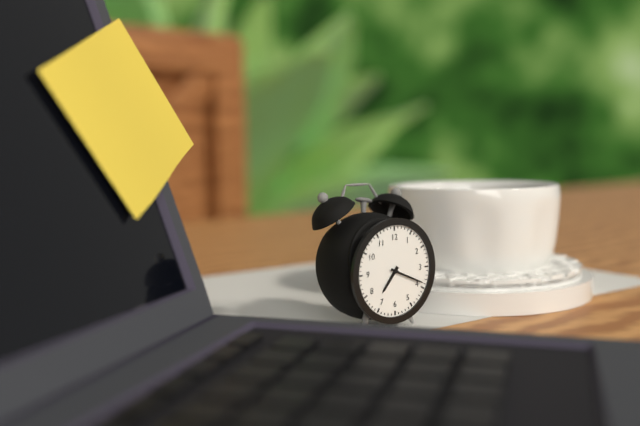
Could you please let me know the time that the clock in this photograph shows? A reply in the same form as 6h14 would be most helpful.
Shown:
7h19
